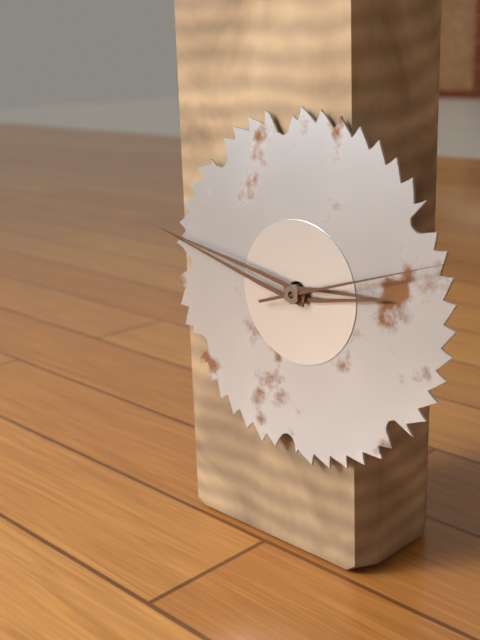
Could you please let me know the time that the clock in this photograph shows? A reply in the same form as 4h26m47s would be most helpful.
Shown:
2h47m12s
